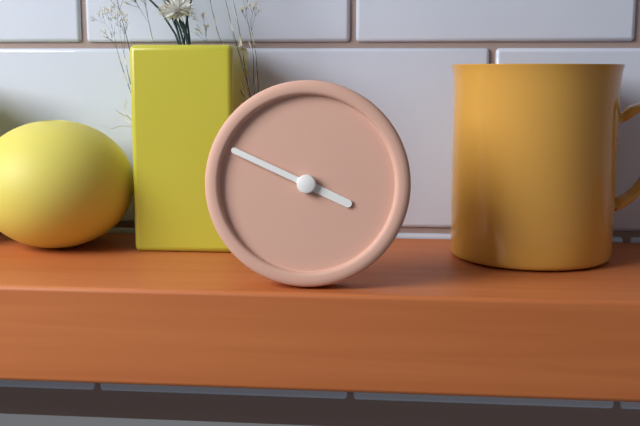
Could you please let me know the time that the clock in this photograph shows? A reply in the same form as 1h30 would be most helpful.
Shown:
3h49
